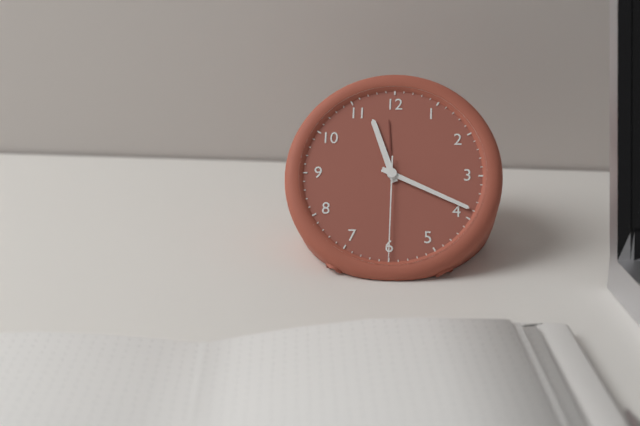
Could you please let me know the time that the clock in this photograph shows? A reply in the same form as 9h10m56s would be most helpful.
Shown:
11h19m30s
